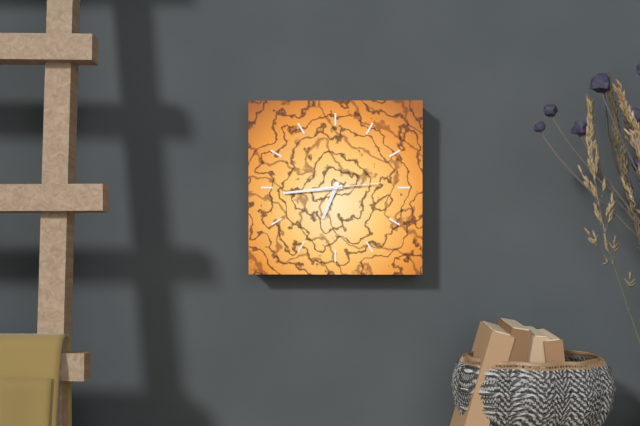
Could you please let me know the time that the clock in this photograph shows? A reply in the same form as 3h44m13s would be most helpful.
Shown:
6h44m14s
